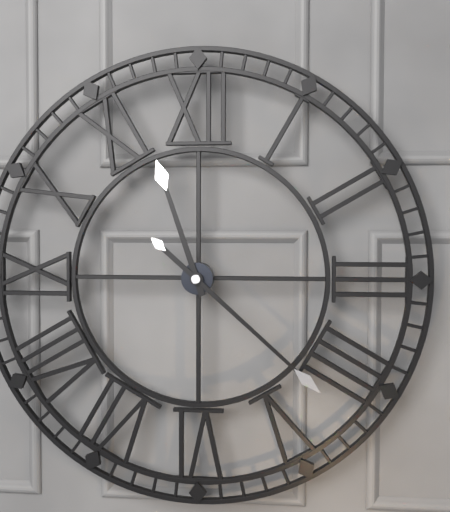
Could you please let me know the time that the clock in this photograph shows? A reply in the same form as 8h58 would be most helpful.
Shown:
11h22
